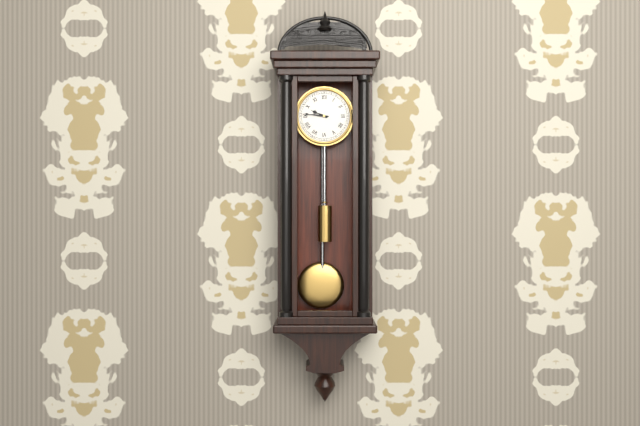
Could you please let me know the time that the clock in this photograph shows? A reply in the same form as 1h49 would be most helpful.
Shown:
9h46
